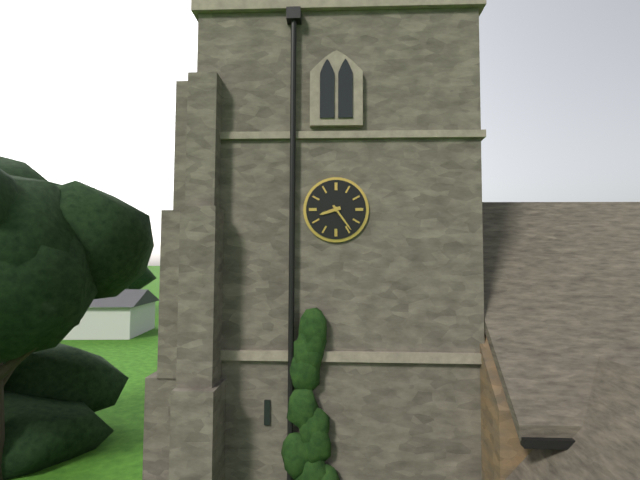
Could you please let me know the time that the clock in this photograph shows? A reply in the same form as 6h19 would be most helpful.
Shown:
8h24
